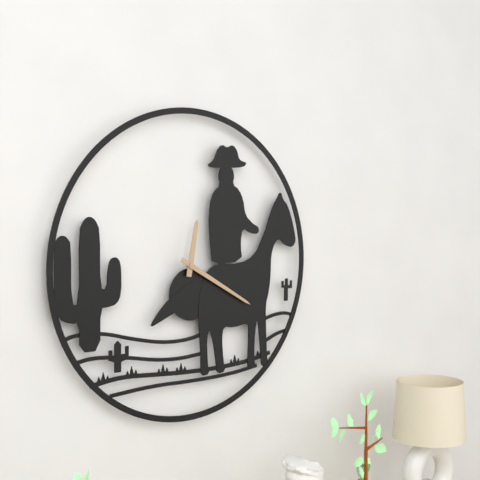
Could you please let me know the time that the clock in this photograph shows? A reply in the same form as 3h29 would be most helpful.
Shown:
12h20
